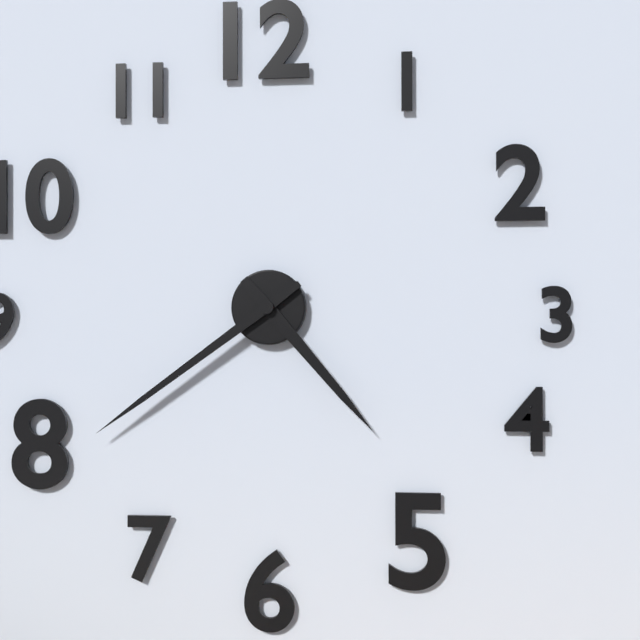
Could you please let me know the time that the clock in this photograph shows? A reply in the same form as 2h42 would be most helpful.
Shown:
4h39
